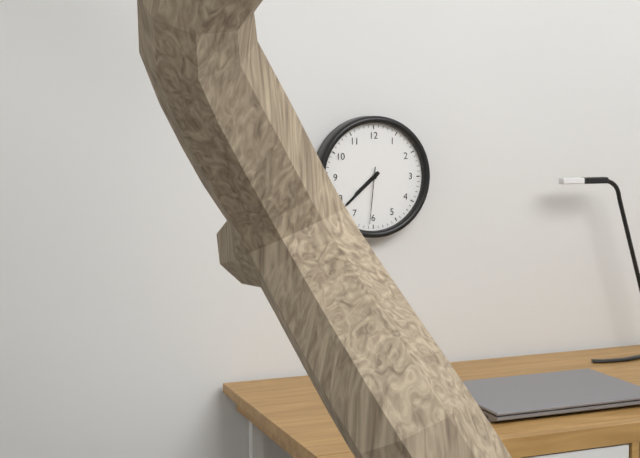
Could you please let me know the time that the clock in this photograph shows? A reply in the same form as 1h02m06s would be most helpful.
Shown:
7h38m31s
